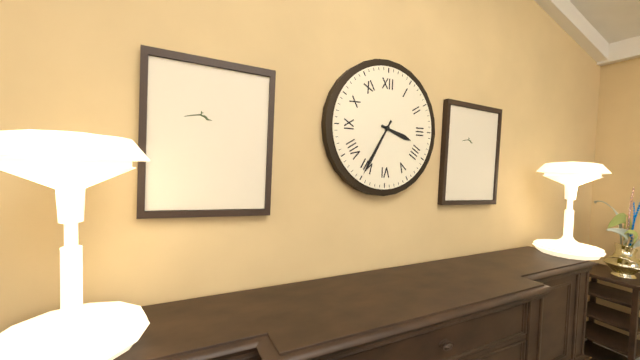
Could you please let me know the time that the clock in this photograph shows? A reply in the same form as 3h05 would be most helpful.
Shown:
3h35
